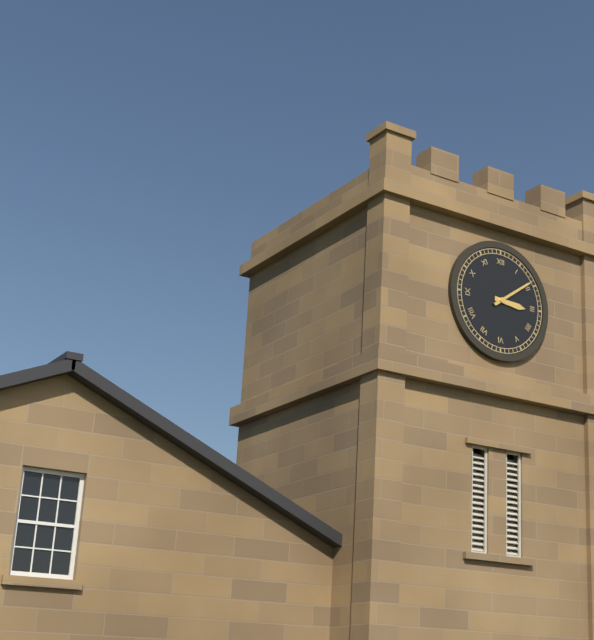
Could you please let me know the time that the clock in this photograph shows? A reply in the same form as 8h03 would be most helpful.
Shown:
3h09
